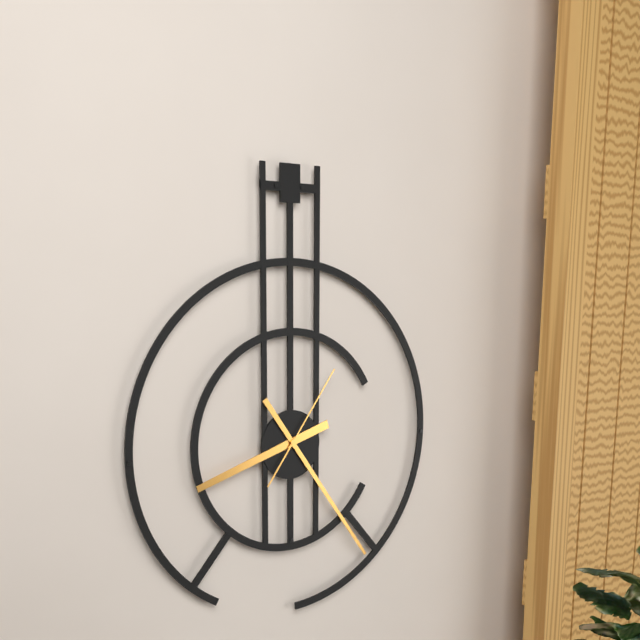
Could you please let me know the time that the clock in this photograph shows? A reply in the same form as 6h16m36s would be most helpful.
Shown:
8h24m06s
